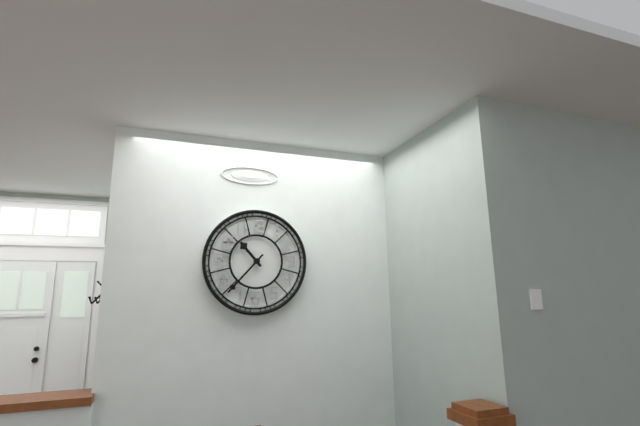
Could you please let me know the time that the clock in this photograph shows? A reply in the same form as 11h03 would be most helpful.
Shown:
10h37
